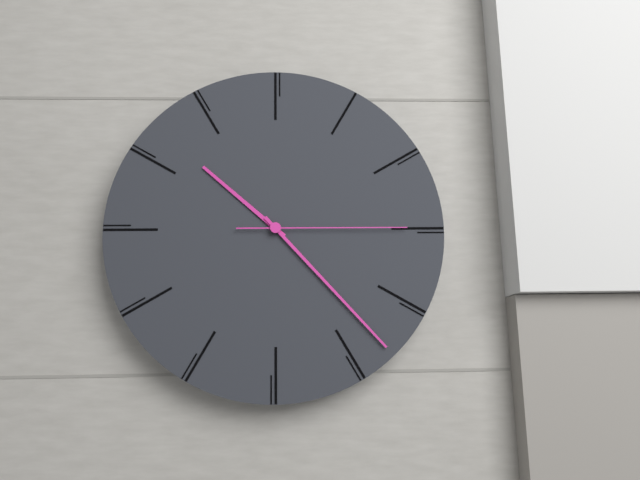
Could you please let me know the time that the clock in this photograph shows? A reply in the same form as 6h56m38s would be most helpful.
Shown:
10h23m15s
